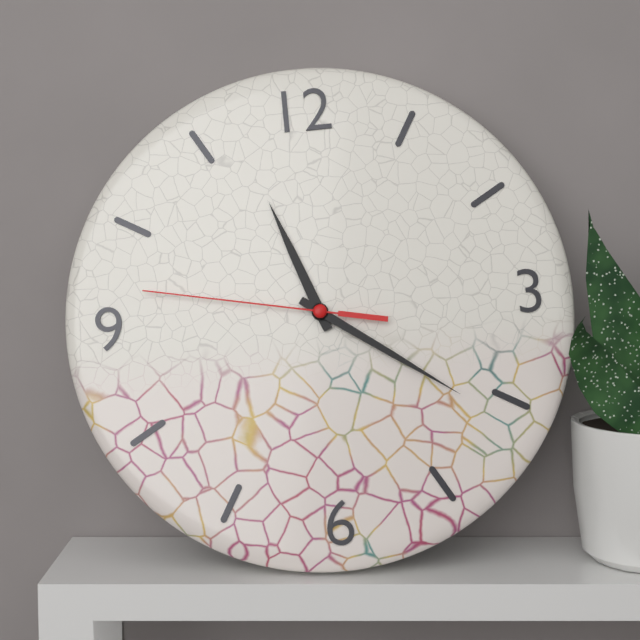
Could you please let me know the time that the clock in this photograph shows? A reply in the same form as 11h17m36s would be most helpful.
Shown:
11h21m47s
